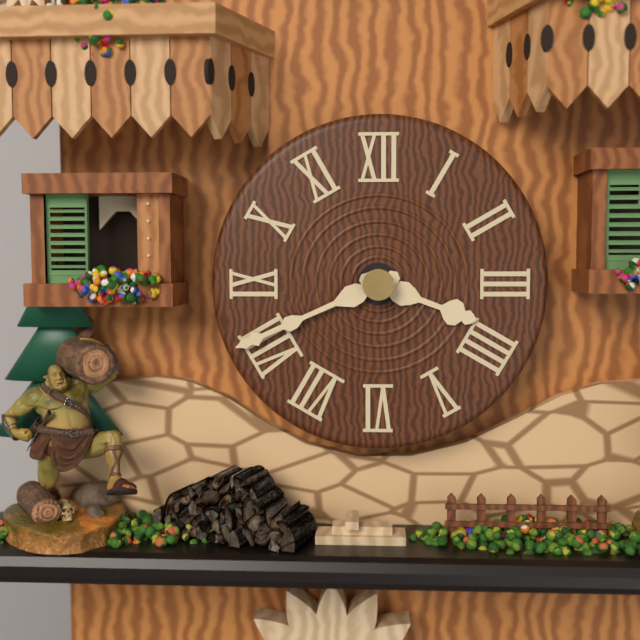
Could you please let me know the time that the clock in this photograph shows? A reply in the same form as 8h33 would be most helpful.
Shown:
3h41
